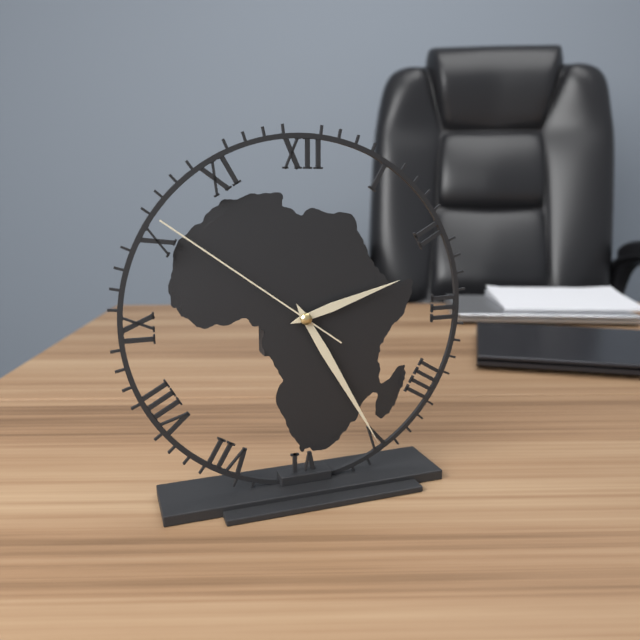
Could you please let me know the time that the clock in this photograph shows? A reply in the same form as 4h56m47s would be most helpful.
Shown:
2h25m51s
